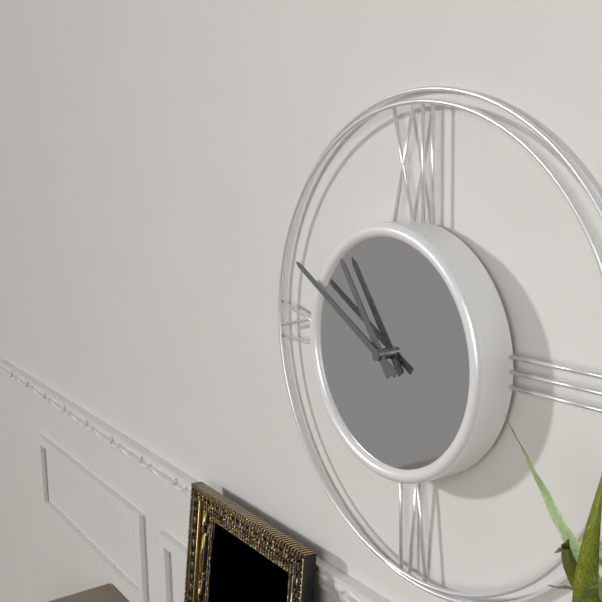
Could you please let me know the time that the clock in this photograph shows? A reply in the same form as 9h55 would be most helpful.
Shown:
10h50
